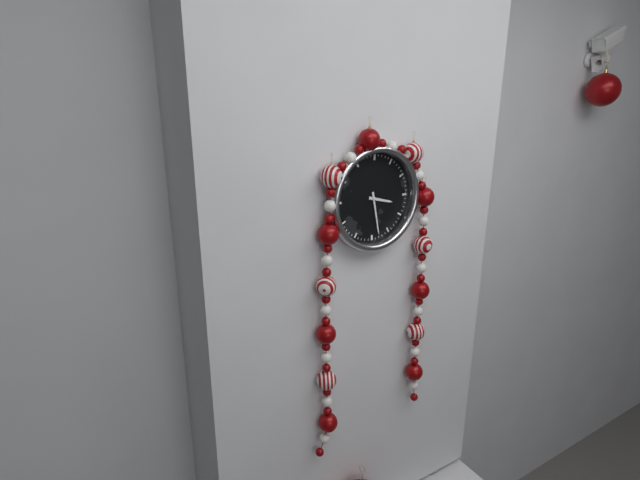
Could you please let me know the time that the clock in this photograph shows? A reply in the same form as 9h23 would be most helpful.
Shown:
3h28
